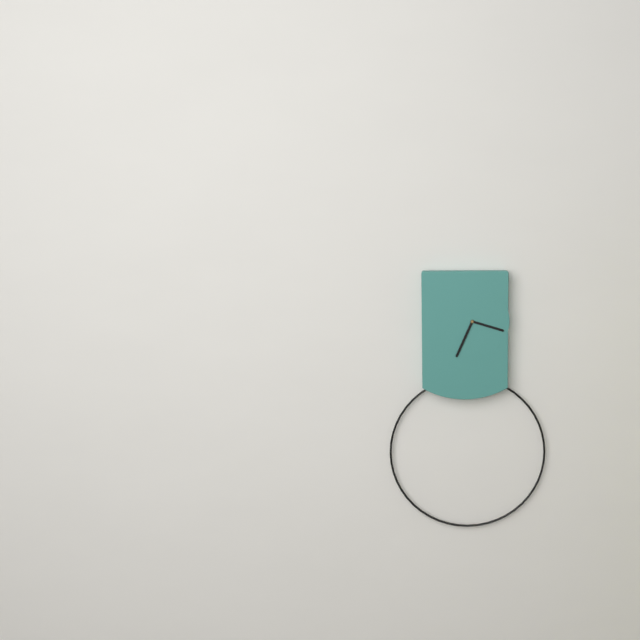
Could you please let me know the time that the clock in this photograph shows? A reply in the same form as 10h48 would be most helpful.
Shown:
3h34
